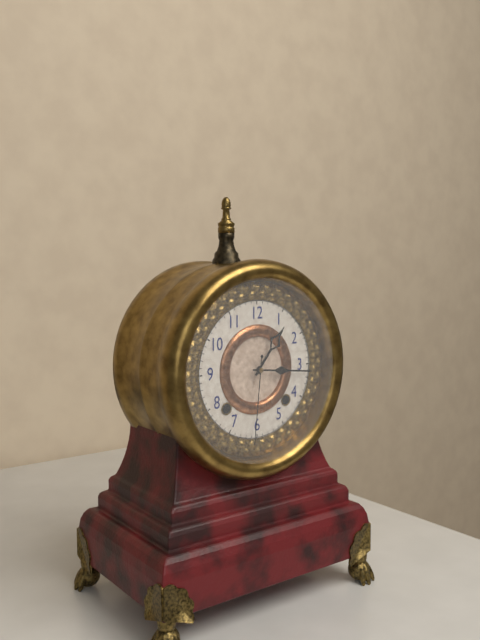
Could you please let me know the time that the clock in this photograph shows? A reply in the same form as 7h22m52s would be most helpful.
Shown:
1h16m31s
